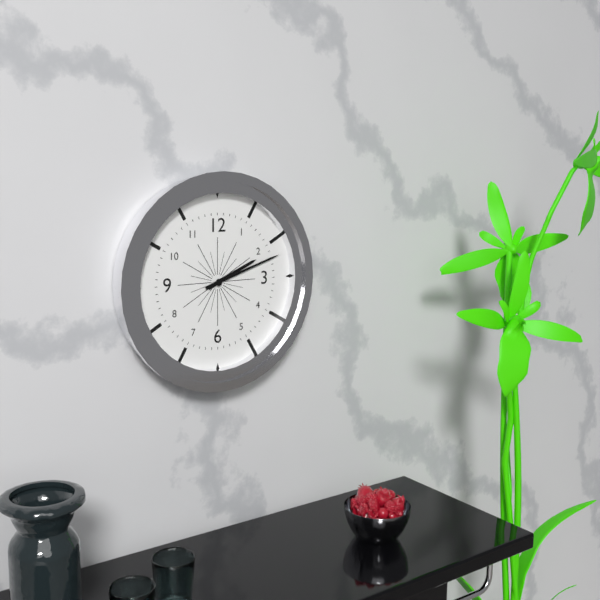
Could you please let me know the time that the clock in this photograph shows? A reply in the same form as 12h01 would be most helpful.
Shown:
2h12
